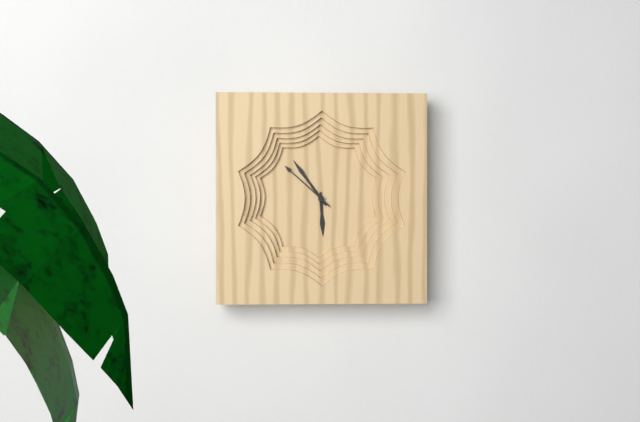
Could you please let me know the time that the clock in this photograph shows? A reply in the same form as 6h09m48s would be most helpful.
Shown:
5h54m52s
